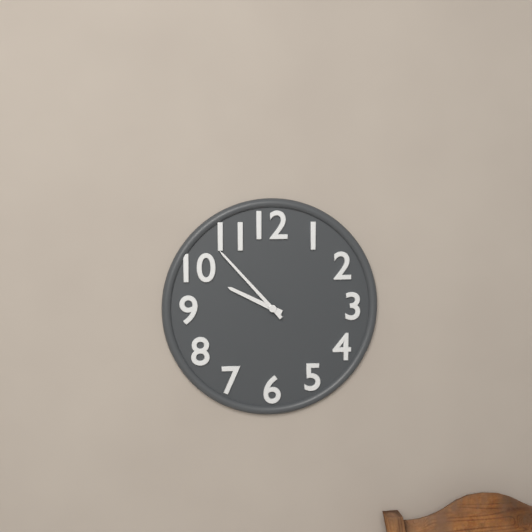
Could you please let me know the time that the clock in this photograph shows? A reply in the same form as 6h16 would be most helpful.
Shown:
9h53
